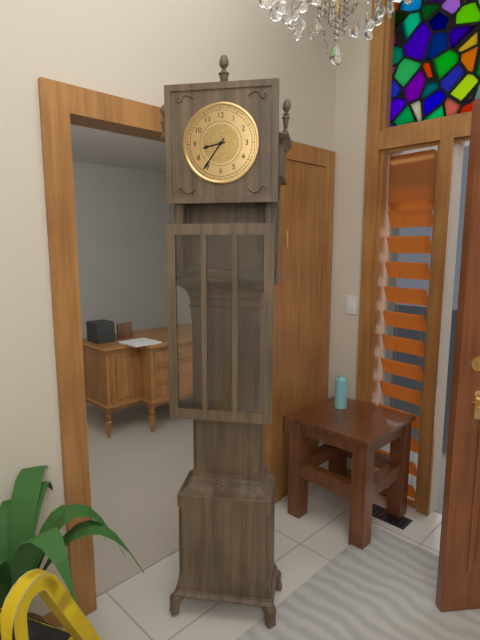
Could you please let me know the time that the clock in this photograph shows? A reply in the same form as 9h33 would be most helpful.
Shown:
8h36
